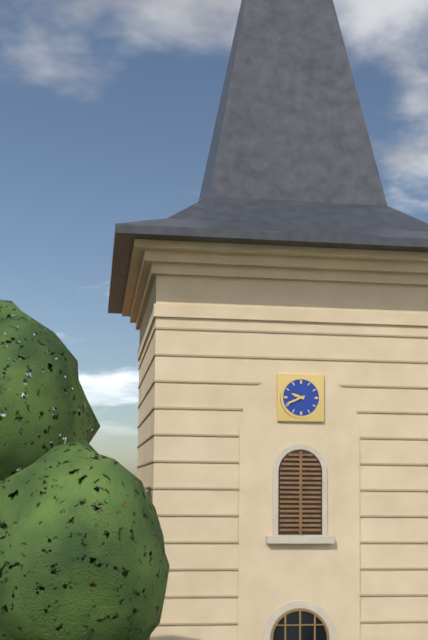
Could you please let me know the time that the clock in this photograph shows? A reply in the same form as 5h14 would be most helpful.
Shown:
9h41
